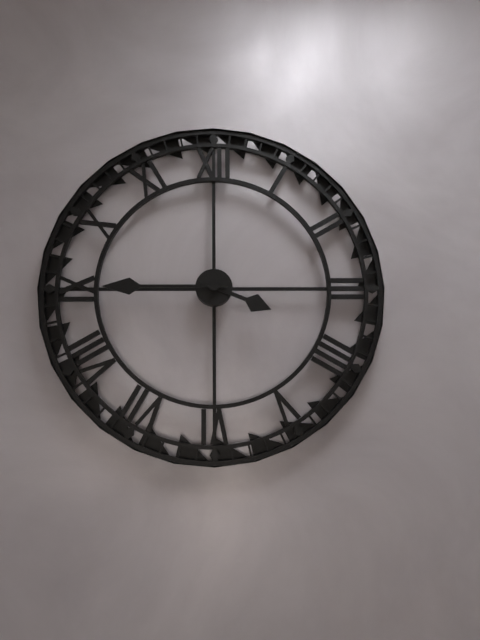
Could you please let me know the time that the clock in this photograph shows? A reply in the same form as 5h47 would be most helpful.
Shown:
3h45
